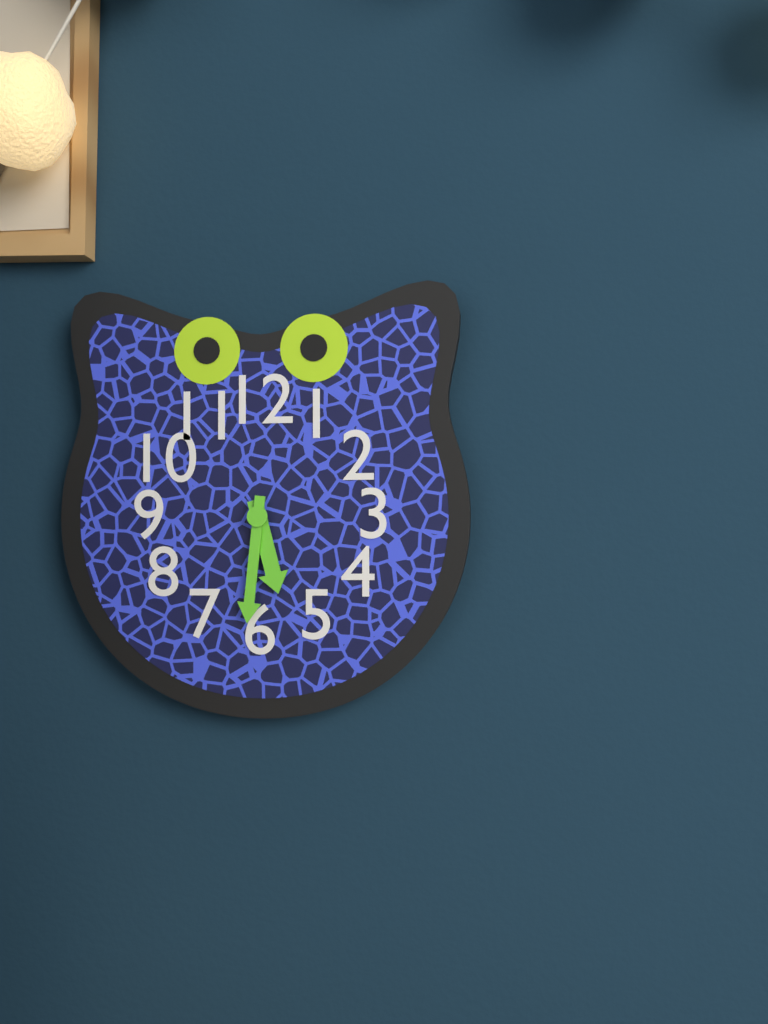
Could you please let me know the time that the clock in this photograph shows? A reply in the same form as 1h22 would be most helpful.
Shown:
5h31
